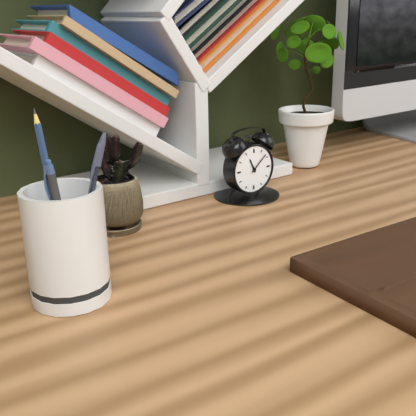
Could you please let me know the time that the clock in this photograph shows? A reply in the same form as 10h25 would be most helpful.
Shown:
11h08
